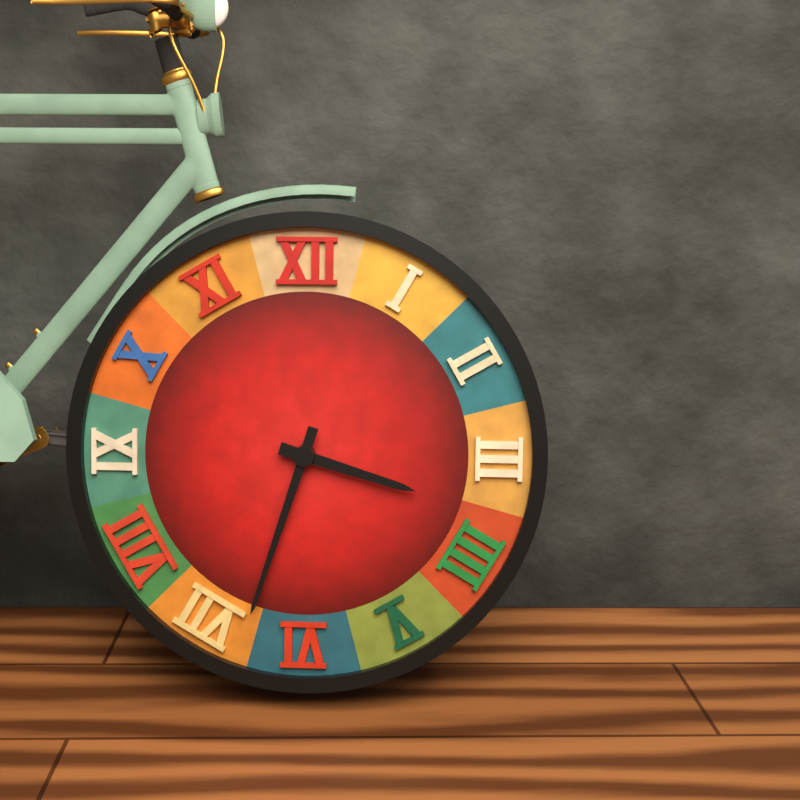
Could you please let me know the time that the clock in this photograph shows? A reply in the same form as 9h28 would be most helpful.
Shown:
3h33
